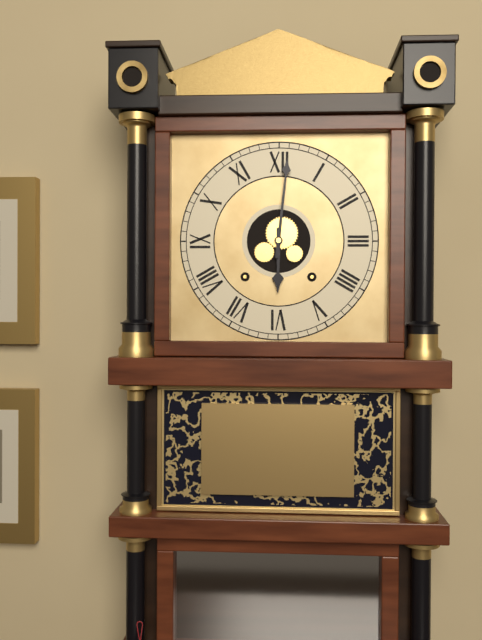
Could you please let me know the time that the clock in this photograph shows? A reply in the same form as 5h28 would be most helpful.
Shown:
6h01
